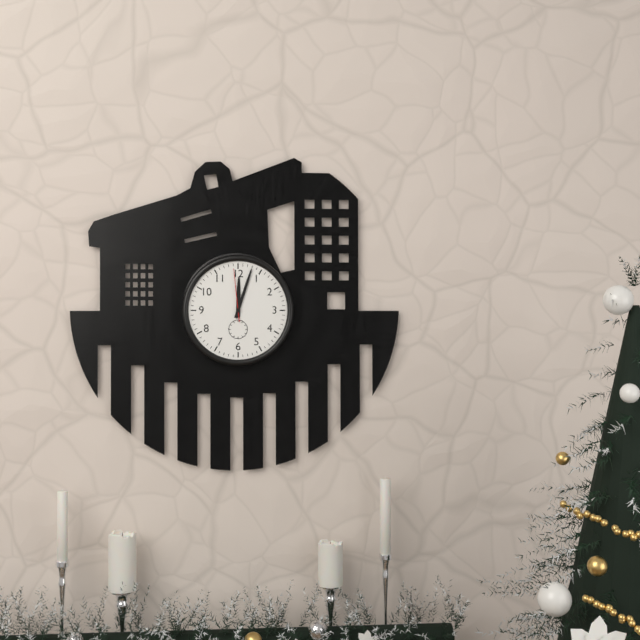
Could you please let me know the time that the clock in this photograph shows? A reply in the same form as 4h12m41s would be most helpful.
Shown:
12h03m59s
